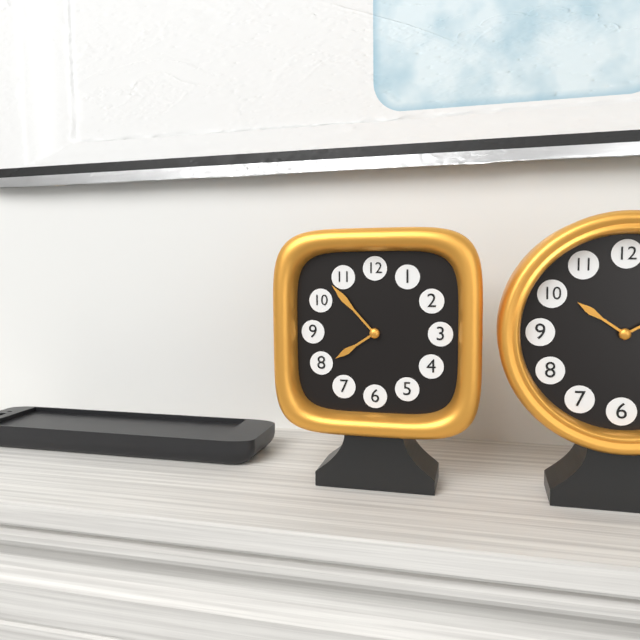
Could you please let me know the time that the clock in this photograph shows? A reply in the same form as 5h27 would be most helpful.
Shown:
7h53
